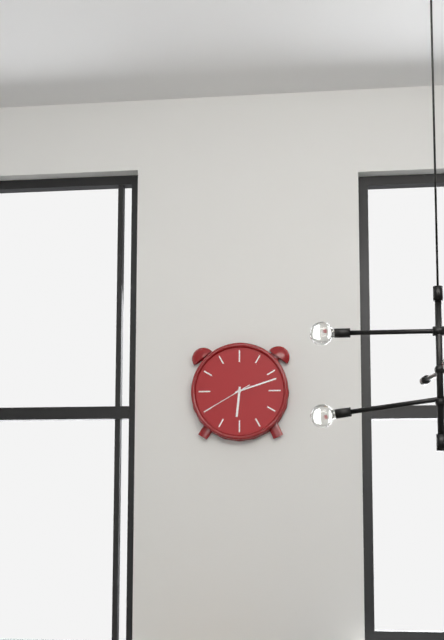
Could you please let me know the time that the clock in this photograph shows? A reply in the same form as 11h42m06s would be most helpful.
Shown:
6h12m40s
